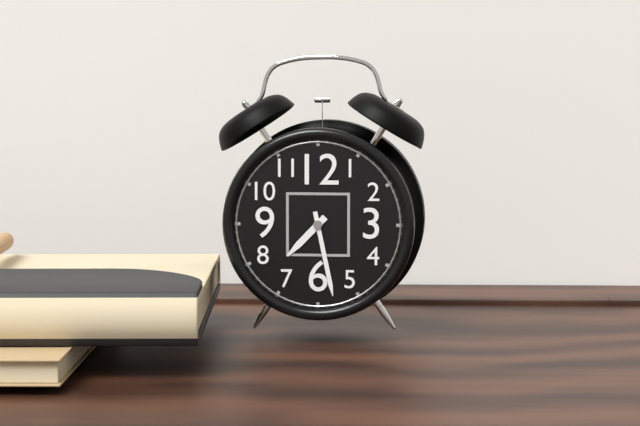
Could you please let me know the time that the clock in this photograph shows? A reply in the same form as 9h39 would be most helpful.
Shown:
7h28
